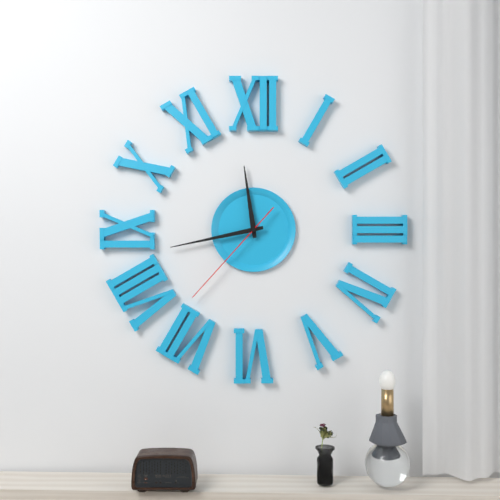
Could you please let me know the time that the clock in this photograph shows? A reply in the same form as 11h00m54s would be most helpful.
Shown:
11h43m37s
